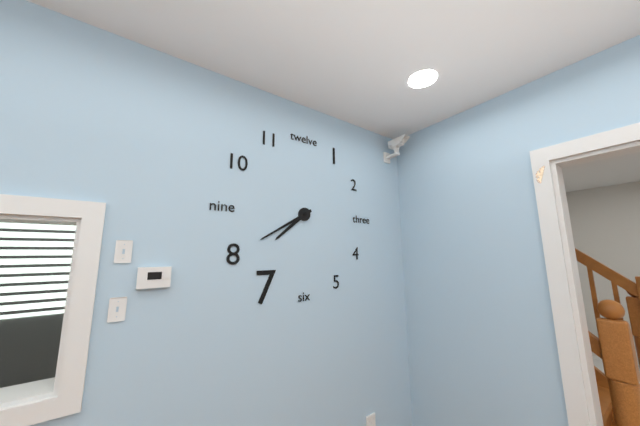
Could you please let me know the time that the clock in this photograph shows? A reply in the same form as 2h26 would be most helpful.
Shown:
7h40
